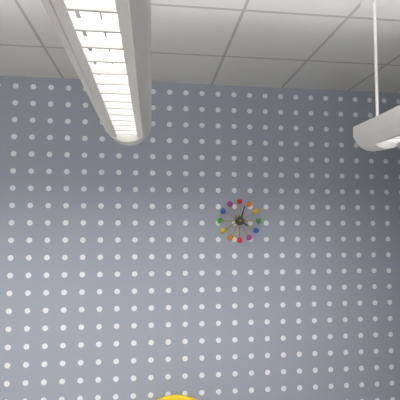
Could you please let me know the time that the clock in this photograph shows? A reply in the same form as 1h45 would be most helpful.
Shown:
4h03
